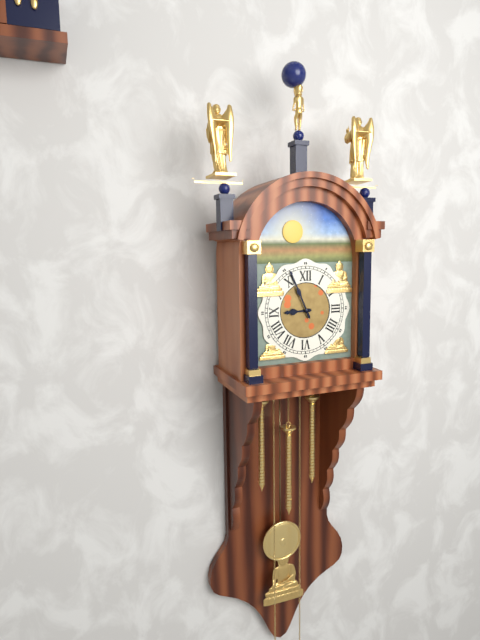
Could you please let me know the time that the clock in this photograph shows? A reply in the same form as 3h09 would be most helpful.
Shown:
8h56
